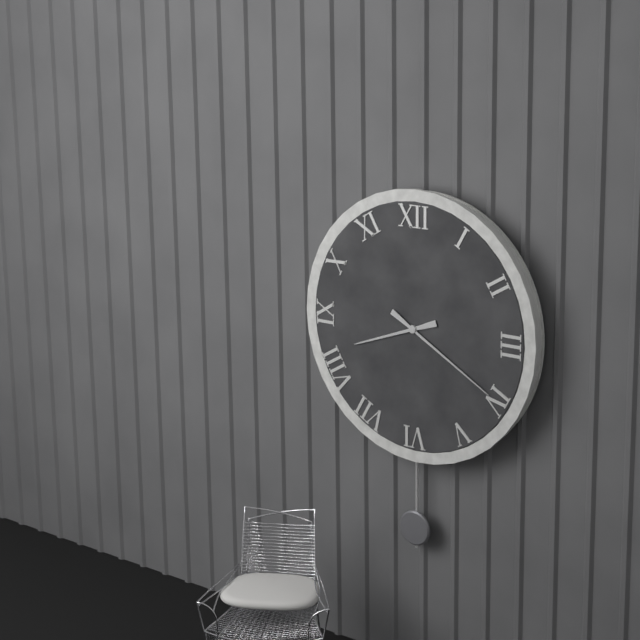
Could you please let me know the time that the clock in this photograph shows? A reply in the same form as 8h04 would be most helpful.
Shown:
8h20
